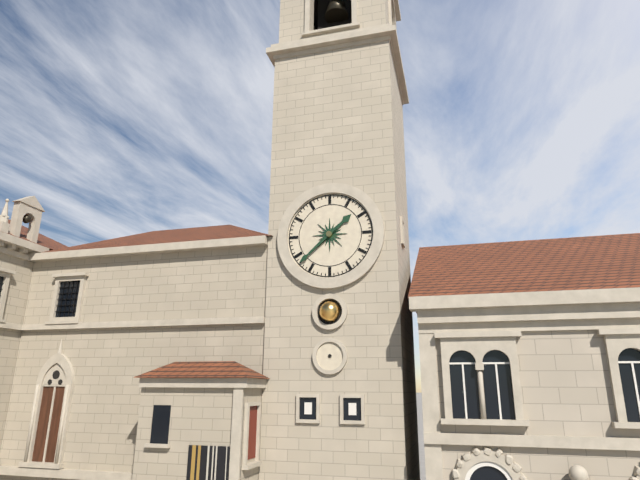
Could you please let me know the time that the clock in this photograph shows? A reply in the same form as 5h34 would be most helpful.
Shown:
1h38
